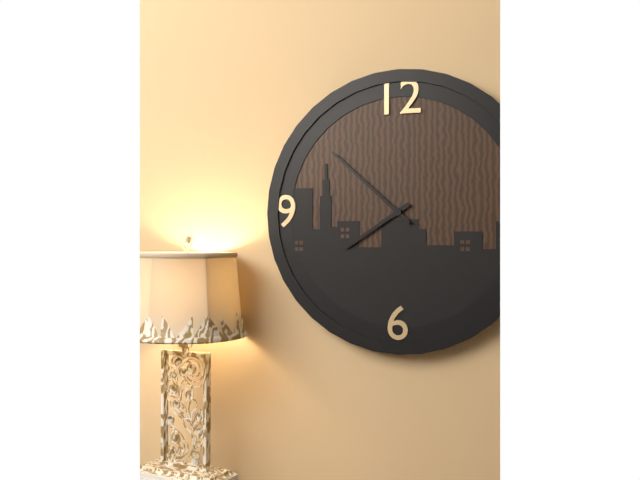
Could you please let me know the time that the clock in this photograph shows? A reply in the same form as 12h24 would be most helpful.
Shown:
7h52
